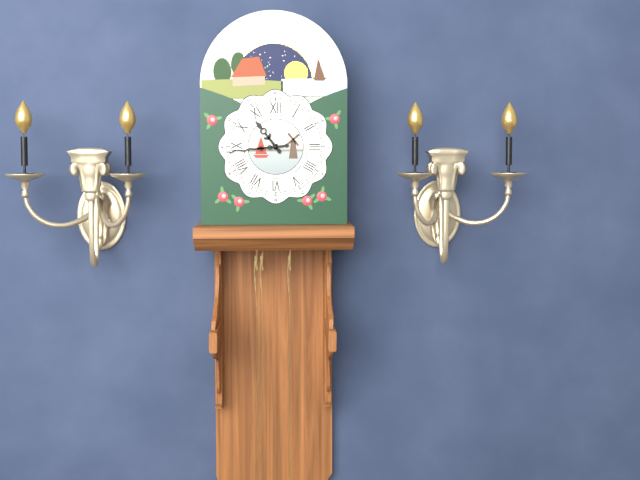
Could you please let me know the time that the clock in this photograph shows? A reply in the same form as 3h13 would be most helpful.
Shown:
10h44
